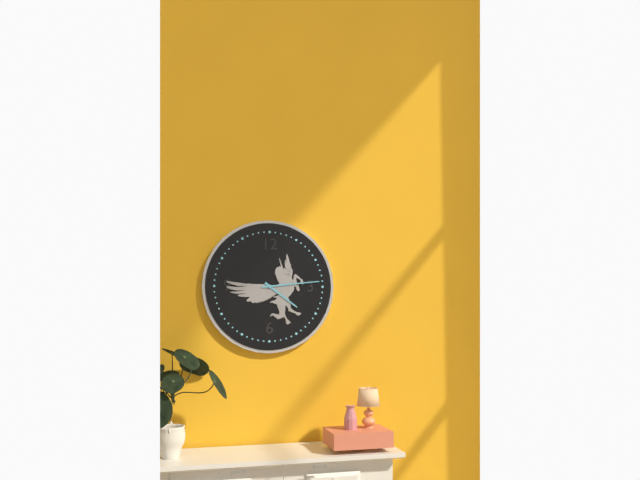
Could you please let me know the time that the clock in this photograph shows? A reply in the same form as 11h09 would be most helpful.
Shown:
4h14
